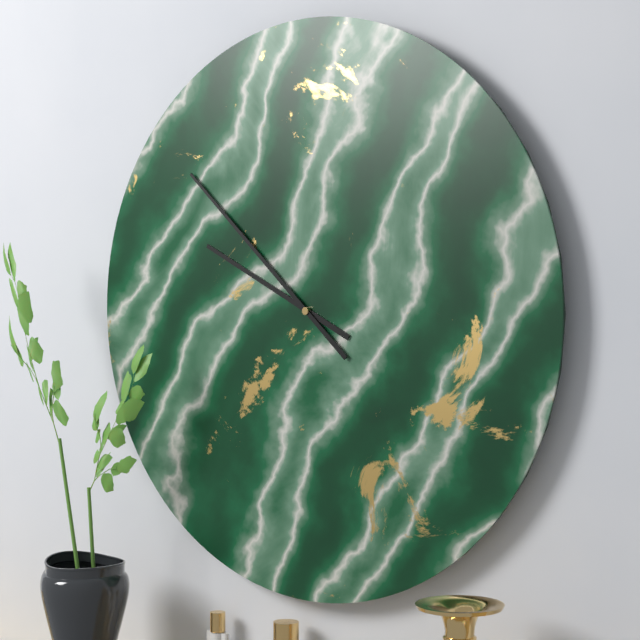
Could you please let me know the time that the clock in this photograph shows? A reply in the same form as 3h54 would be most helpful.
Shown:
9h52
